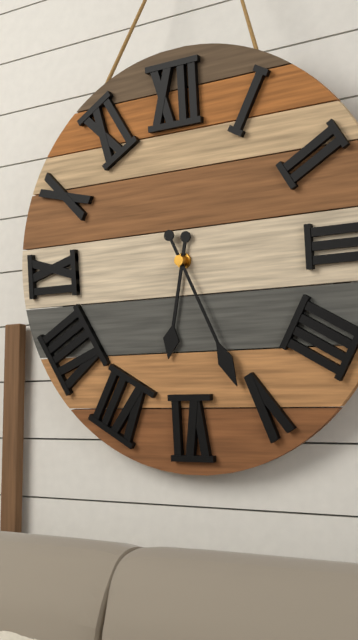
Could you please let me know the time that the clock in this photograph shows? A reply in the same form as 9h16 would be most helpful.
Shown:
6h26
